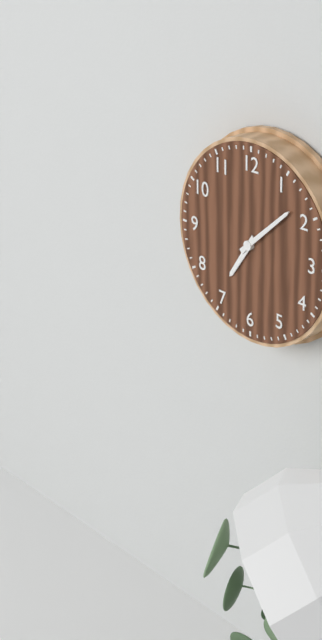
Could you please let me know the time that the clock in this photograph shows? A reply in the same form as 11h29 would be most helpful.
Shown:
7h08
